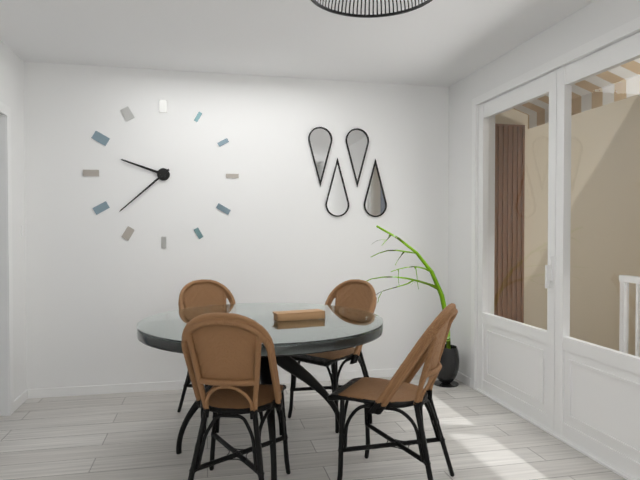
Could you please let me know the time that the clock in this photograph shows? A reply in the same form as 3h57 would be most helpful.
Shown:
9h38
